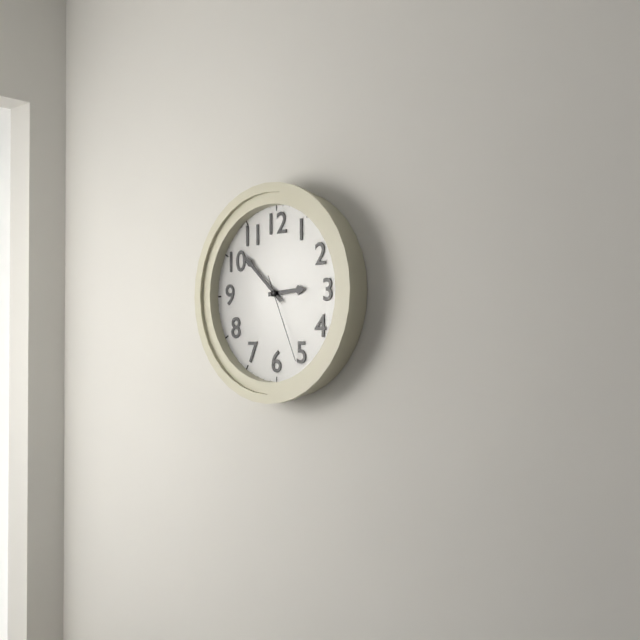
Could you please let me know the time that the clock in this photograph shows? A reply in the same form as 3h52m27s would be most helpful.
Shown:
2h52m26s
